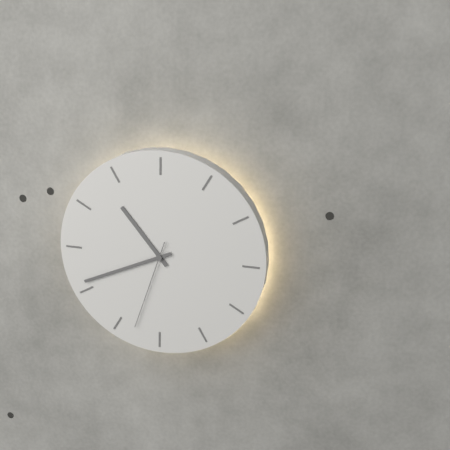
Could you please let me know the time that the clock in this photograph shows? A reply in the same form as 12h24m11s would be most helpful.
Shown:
10h41m33s
